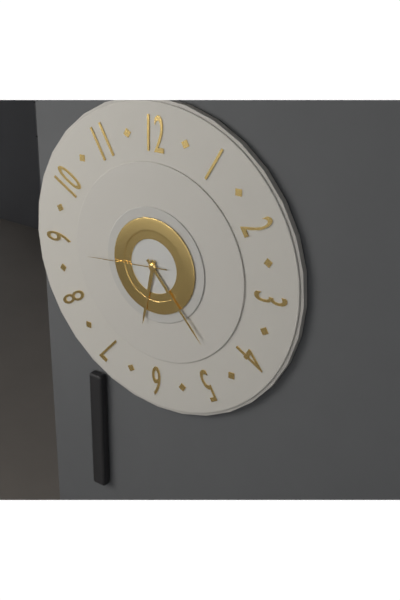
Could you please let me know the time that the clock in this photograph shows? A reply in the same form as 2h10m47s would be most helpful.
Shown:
6h23m44s
